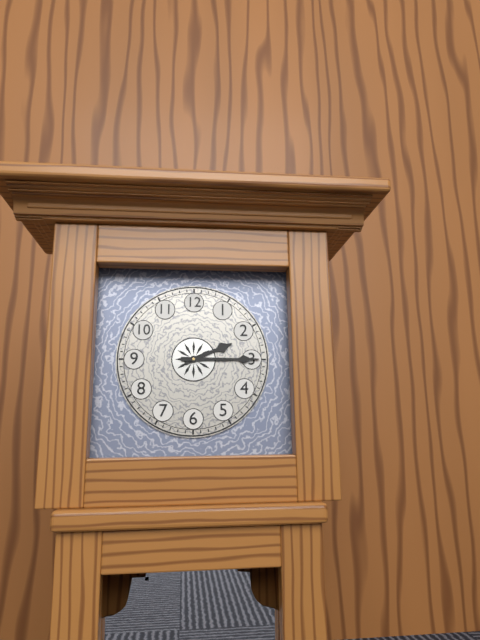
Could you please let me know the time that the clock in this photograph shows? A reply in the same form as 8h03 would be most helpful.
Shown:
2h15
